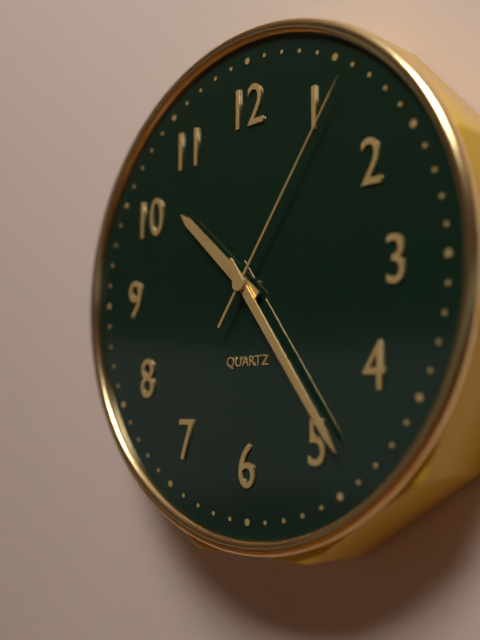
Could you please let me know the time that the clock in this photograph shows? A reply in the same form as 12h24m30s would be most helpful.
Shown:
10h24m06s
